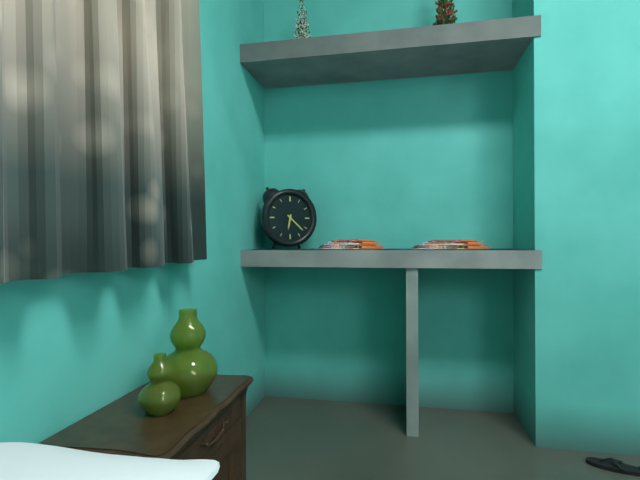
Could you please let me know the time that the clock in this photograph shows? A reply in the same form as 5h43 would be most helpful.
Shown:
6h22
